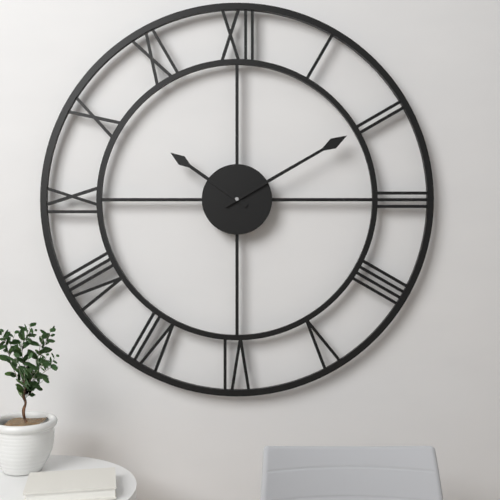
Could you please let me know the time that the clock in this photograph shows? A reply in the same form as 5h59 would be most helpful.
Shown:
10h10
